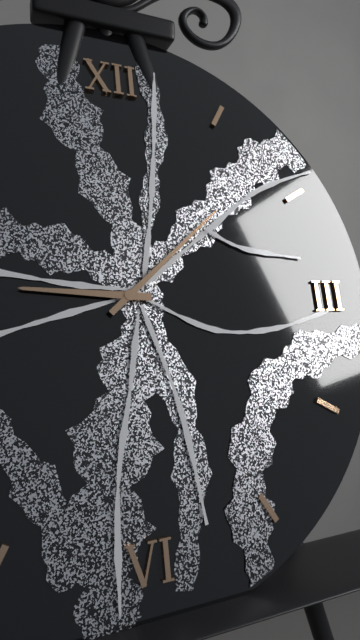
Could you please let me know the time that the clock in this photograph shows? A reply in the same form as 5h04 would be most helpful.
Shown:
9h08
